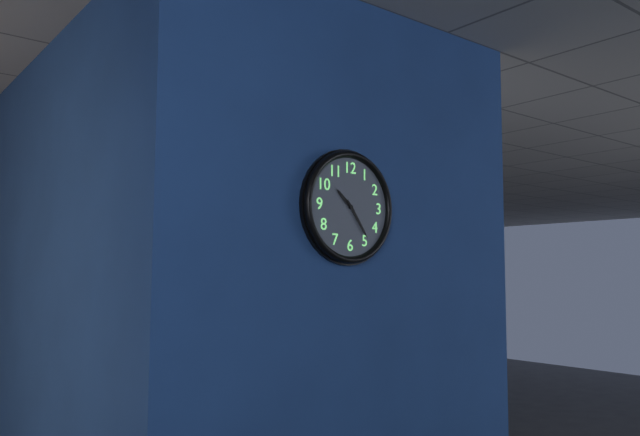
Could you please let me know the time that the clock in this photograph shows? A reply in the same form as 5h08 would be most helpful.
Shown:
10h24
